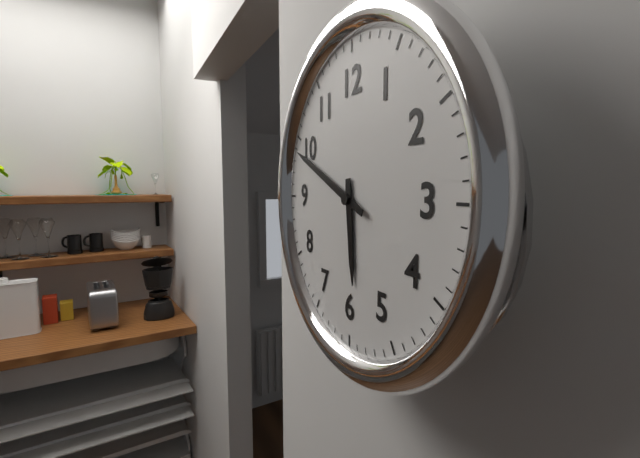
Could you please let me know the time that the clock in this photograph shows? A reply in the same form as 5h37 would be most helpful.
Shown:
5h49
